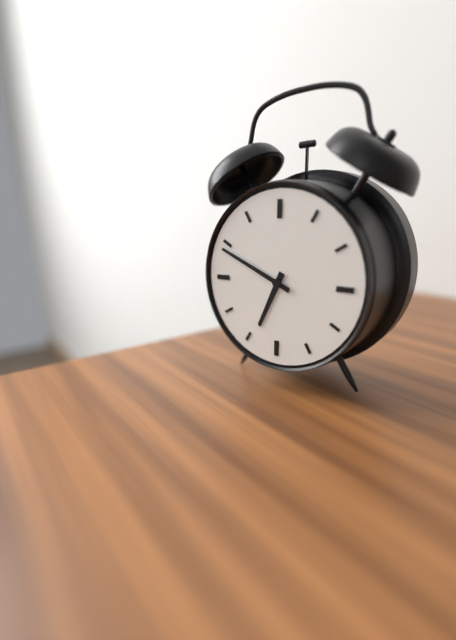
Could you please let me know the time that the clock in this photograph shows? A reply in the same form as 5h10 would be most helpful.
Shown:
6h49
